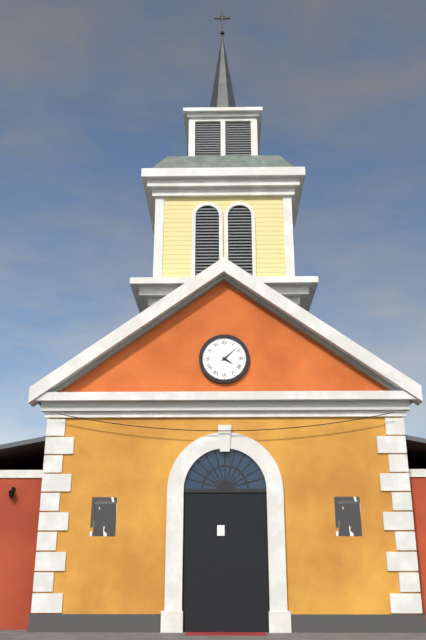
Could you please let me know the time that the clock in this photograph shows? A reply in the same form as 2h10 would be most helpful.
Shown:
4h08
